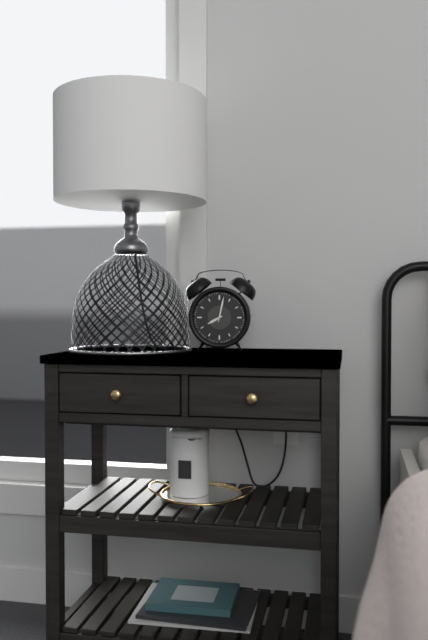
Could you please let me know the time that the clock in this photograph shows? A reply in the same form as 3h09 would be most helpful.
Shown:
8h02
